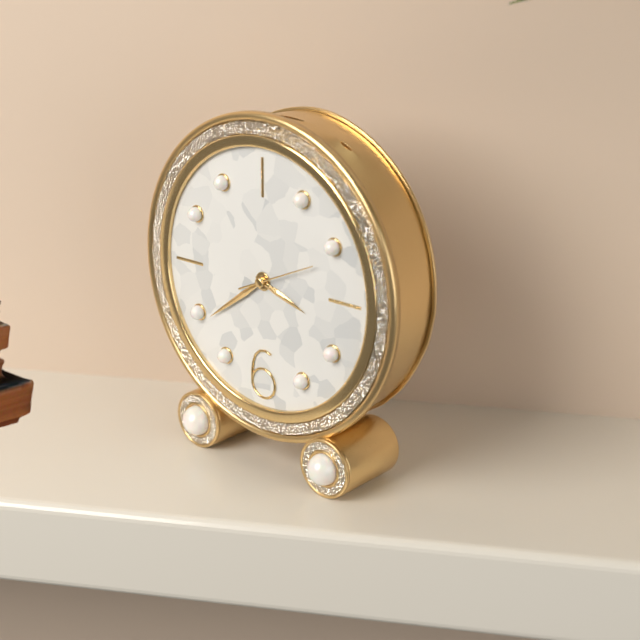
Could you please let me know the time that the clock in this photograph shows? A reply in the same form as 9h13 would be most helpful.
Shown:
3h39
